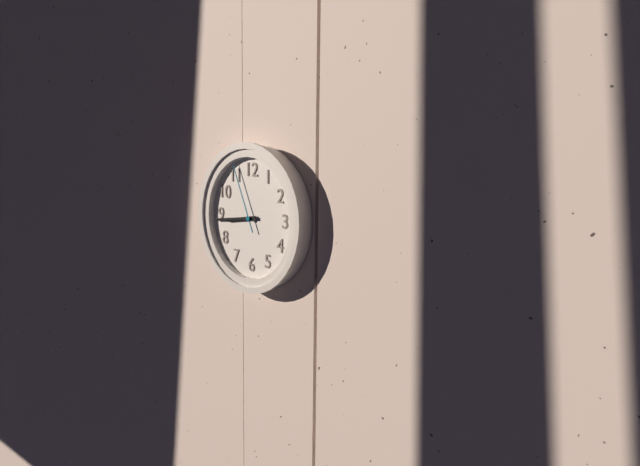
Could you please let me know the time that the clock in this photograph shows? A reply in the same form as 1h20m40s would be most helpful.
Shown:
8h44m56s
